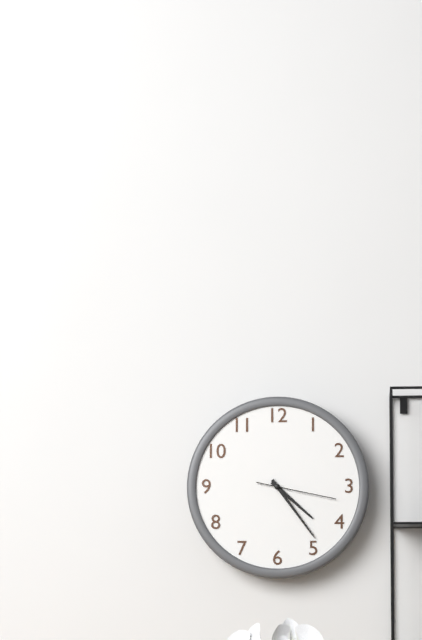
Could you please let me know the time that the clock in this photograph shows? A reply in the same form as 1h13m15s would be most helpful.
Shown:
4h24m17s
